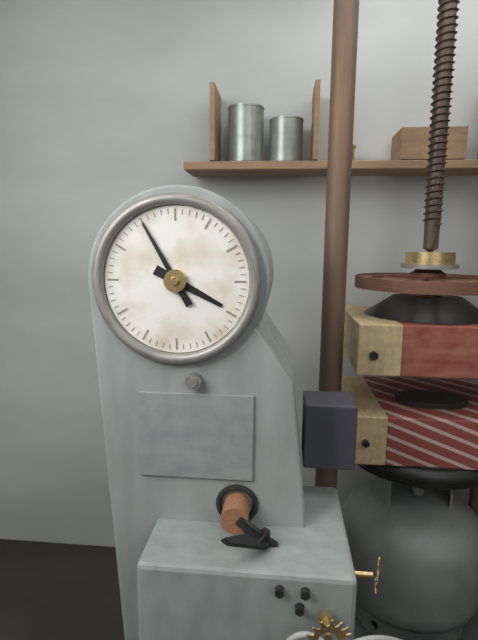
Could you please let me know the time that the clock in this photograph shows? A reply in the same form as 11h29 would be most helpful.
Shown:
3h55
